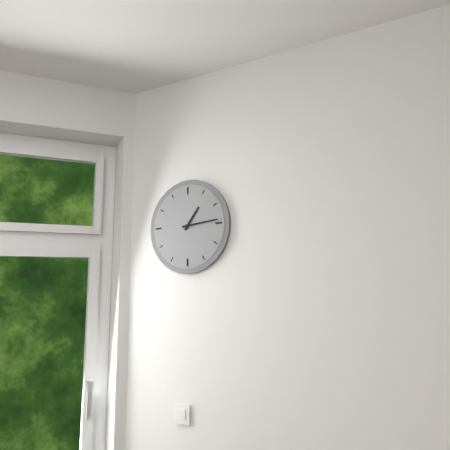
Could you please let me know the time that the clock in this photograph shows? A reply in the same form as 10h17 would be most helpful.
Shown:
1h14
